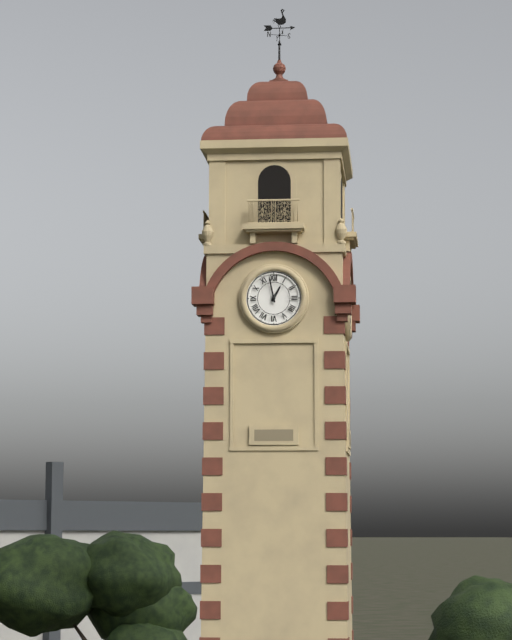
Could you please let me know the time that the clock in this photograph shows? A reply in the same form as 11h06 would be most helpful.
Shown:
12h58
